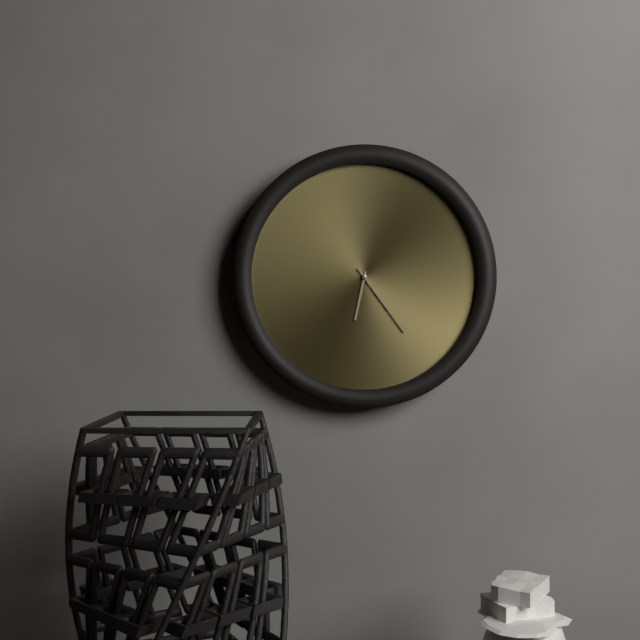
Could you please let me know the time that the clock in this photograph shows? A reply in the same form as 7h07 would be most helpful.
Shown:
6h24
